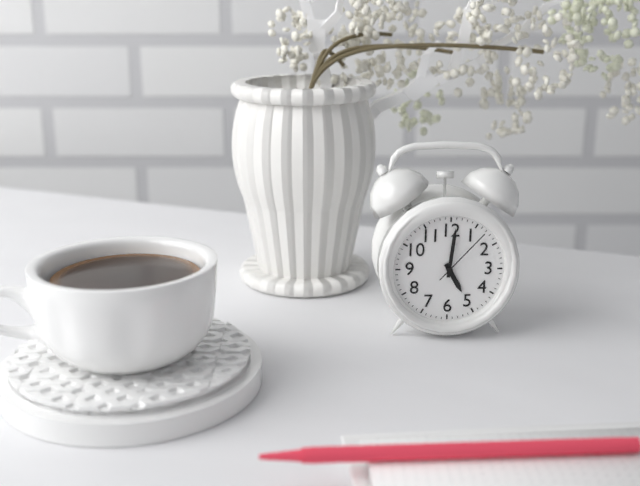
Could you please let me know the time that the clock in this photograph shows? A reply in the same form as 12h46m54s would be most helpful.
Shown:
5h01m07s
